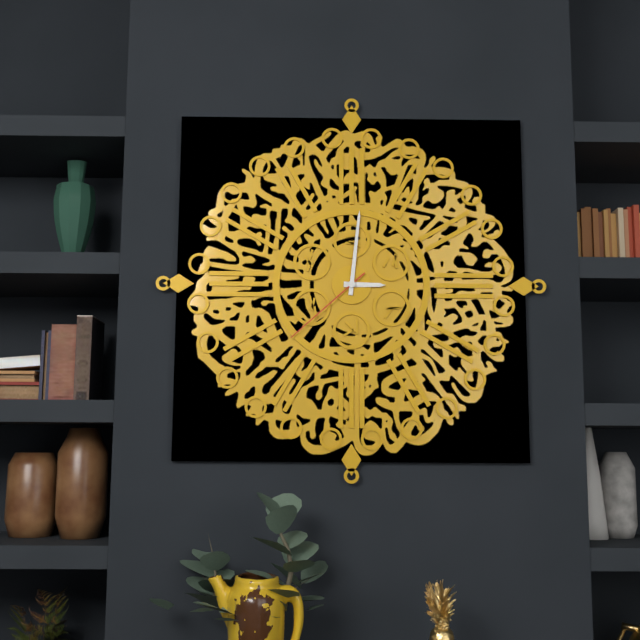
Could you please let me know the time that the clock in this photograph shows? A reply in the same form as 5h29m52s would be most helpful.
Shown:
3h01m38s
